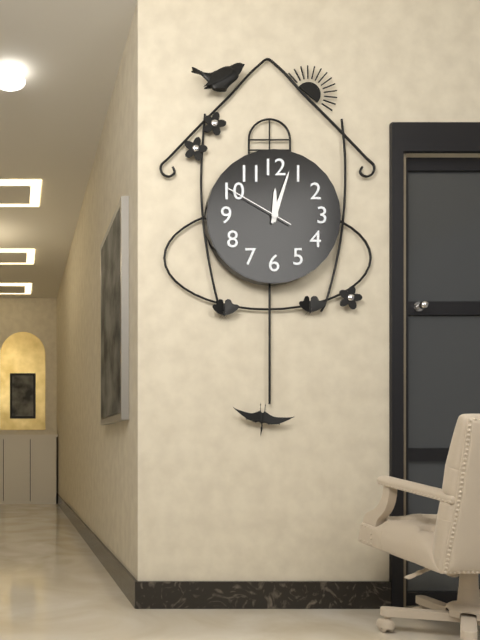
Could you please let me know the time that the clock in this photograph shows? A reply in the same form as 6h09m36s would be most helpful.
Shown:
12h03m50s
